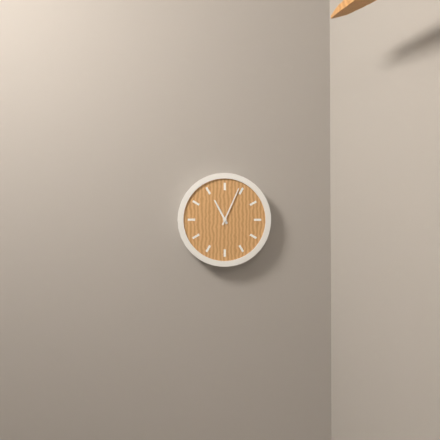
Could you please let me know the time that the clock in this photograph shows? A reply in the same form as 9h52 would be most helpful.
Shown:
11h04
